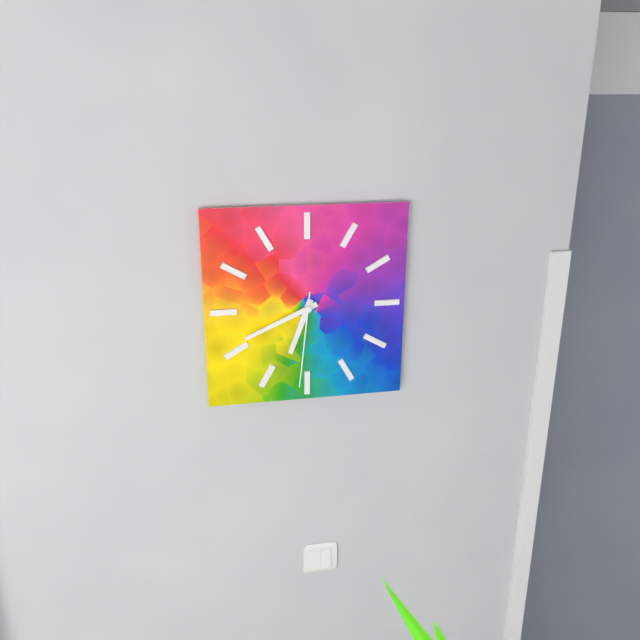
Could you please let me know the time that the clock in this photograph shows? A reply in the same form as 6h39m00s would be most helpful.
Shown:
6h41m31s
